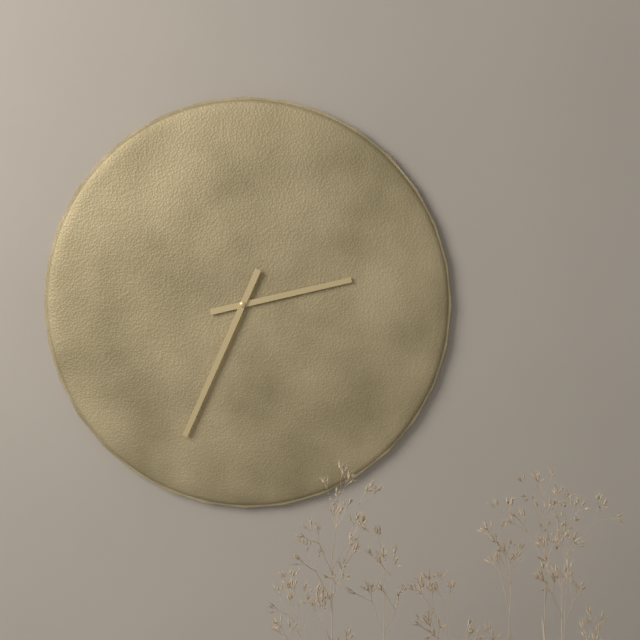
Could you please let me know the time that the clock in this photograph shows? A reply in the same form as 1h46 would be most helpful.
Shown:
2h34
